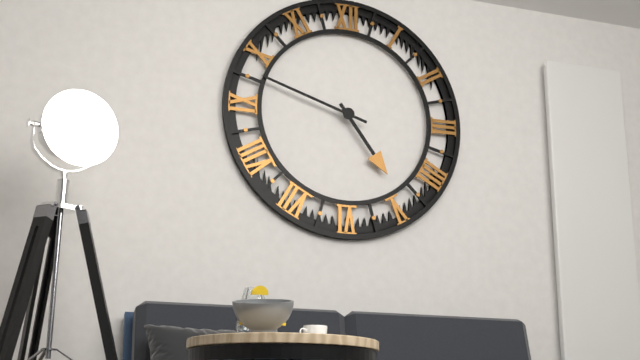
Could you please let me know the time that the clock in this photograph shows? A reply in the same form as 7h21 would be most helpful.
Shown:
4h48
